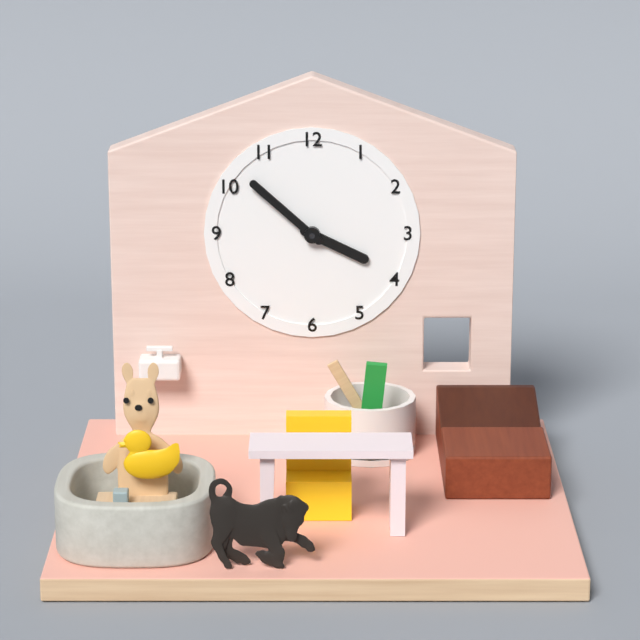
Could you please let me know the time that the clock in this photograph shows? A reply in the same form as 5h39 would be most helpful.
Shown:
3h52
